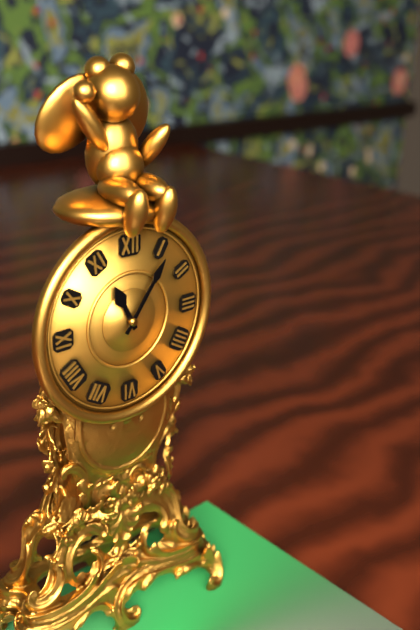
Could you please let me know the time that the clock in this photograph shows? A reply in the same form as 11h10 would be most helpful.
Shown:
11h06
